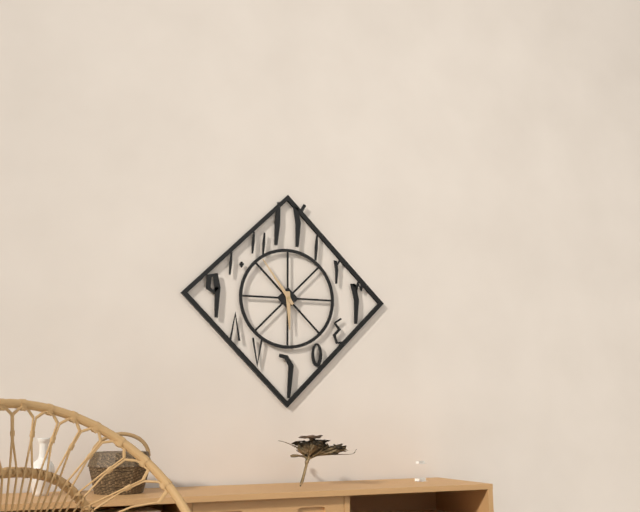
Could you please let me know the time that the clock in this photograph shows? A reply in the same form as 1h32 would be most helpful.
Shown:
5h54
